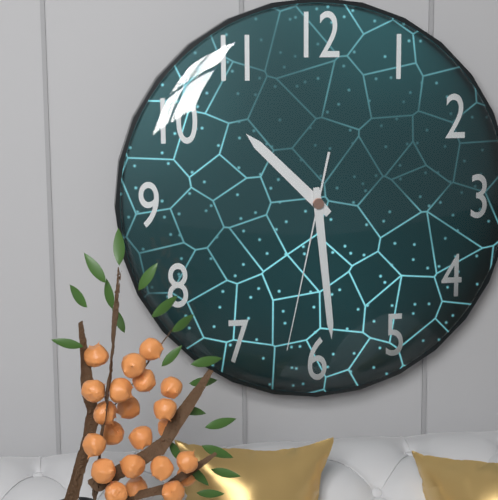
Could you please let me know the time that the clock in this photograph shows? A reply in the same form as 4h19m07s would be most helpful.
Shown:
10h29m32s
